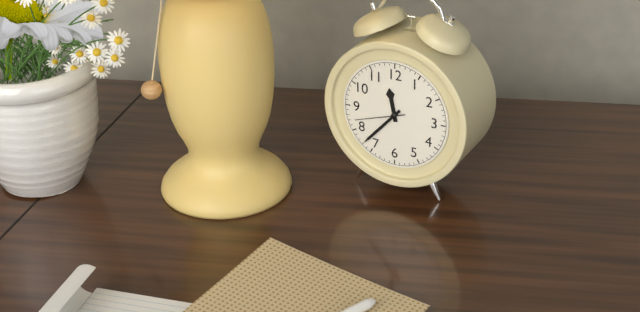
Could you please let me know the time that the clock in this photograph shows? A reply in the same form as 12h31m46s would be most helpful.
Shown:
11h37m42s
